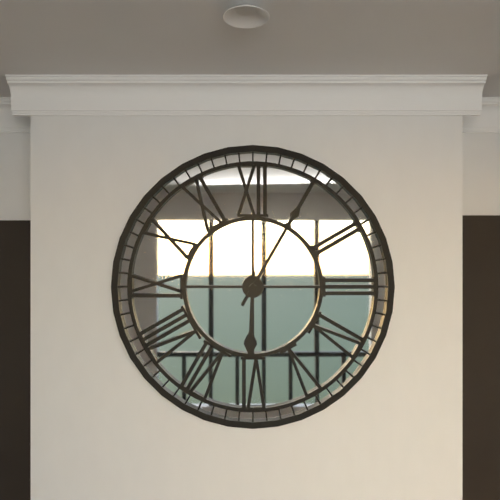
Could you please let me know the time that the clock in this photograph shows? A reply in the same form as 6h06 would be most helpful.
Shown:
6h05
